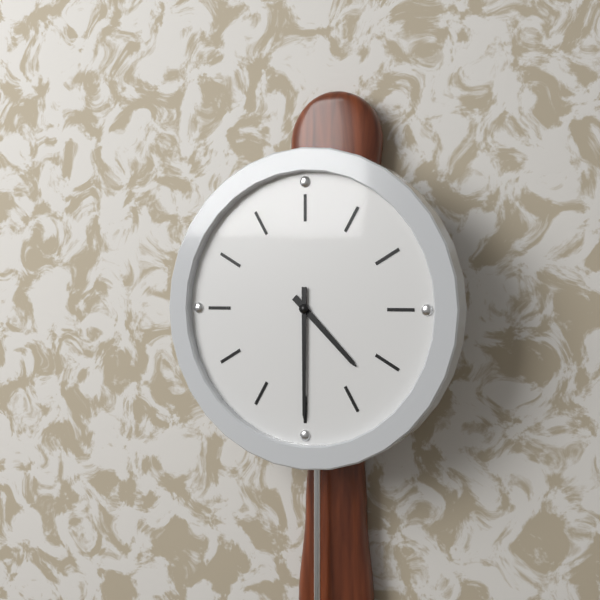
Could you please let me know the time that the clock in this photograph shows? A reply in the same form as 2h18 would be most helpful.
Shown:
4h30
